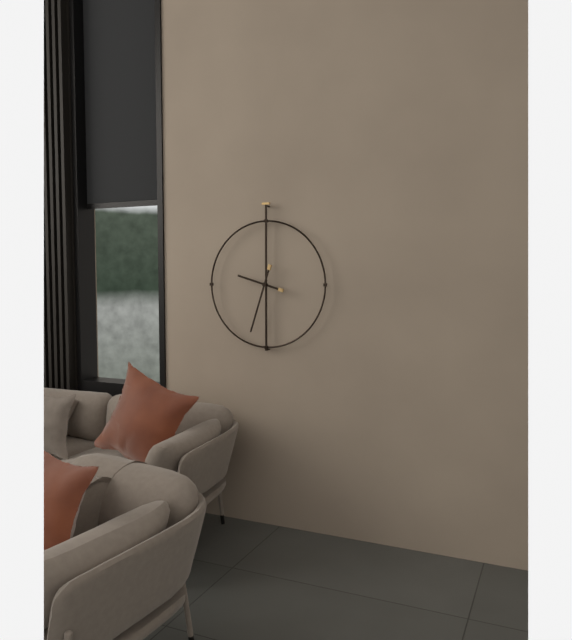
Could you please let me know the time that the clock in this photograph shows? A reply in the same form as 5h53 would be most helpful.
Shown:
9h33
